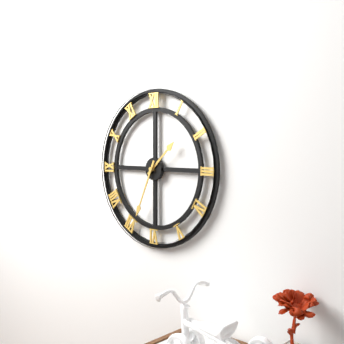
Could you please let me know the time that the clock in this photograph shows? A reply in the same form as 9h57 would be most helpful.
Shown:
1h34
